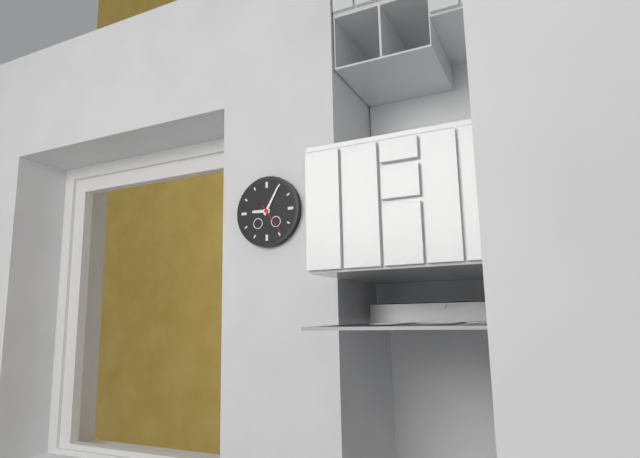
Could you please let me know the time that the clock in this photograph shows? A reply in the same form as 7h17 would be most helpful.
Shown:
9h05
